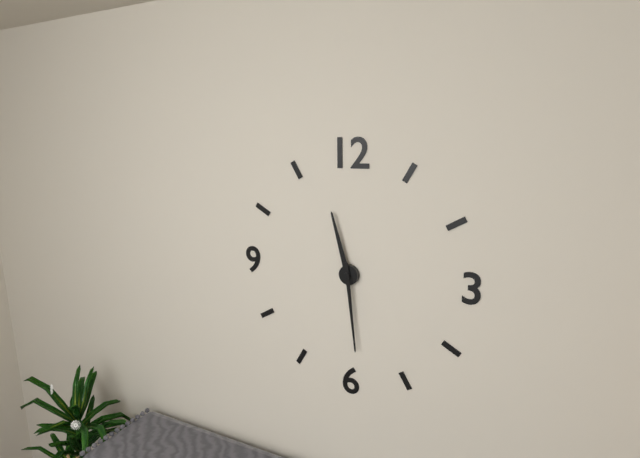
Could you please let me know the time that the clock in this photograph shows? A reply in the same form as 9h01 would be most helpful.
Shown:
11h29
